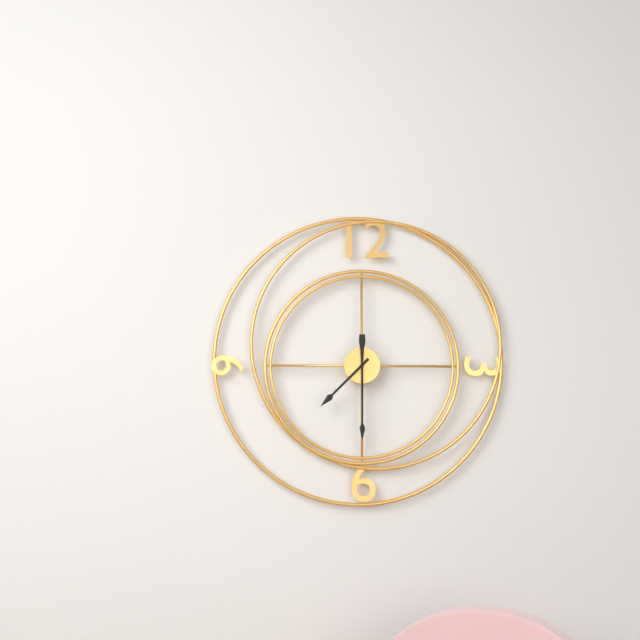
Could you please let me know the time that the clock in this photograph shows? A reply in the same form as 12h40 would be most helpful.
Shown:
7h30
